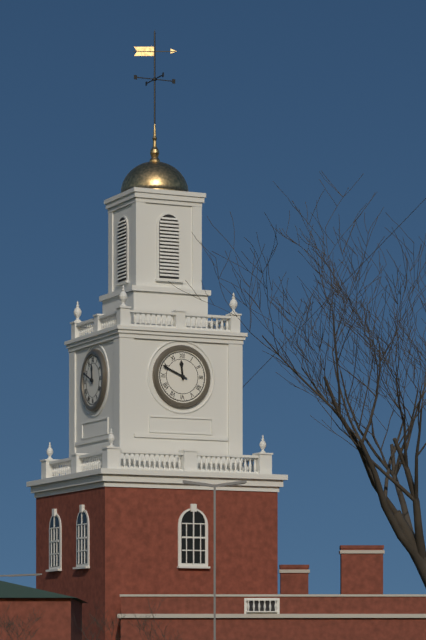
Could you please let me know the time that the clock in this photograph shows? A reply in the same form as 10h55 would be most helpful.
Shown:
11h49
